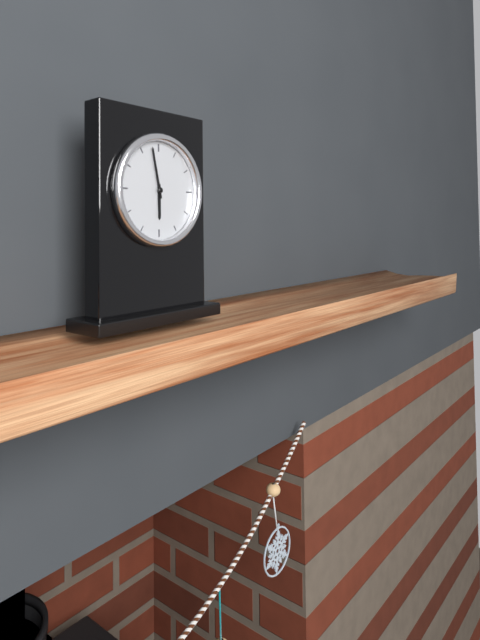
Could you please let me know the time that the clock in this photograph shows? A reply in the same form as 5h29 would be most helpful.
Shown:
5h58
